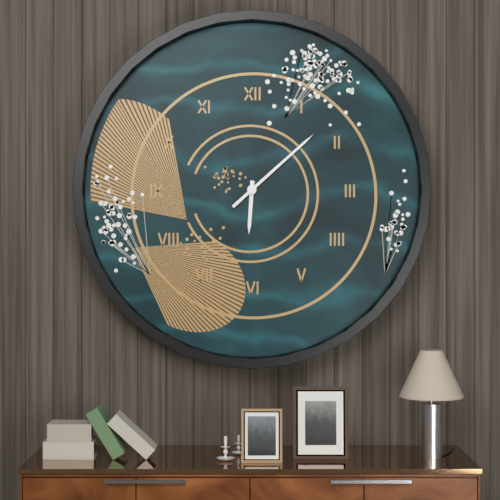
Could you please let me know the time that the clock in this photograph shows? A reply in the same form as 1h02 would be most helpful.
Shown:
6h08
